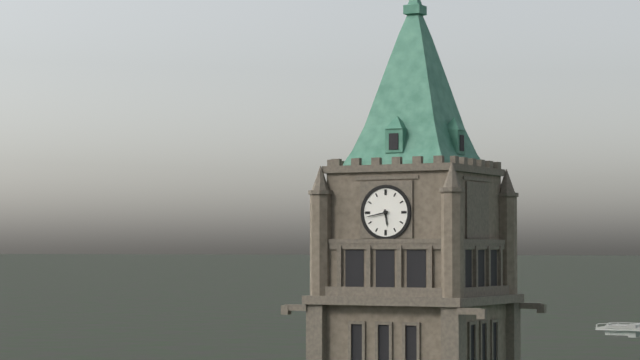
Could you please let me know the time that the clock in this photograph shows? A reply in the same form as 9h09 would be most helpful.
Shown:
5h43
